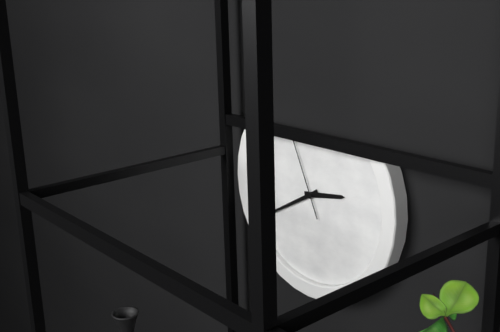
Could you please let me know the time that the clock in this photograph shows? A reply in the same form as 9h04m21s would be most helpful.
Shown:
2h40m56s
